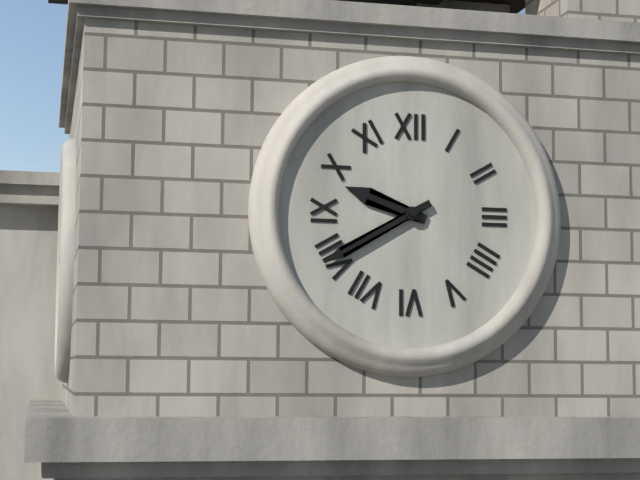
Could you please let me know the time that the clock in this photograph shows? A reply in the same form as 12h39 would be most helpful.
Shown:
9h40
